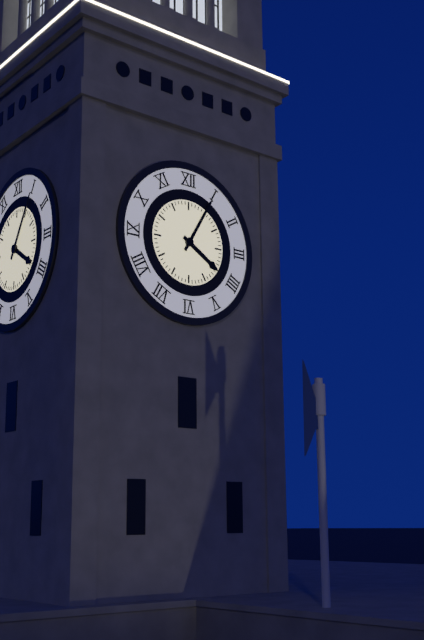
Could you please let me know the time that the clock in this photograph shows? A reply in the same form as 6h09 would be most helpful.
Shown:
4h05
